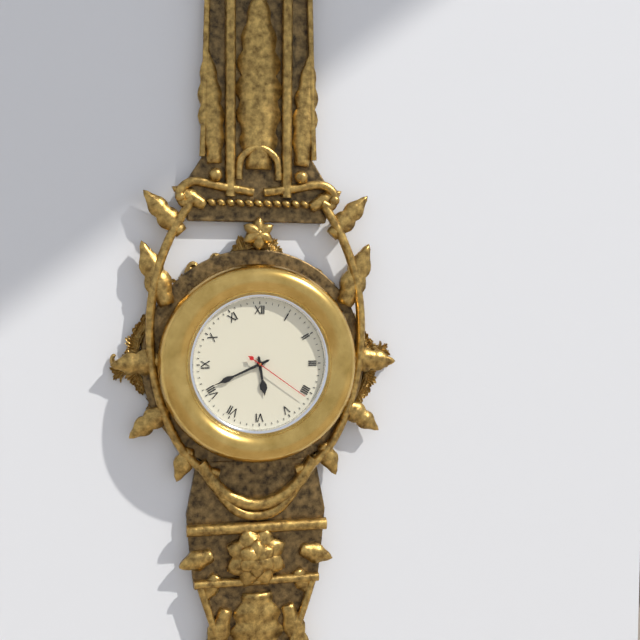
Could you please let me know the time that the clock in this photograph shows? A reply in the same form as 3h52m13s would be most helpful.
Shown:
5h41m21s
